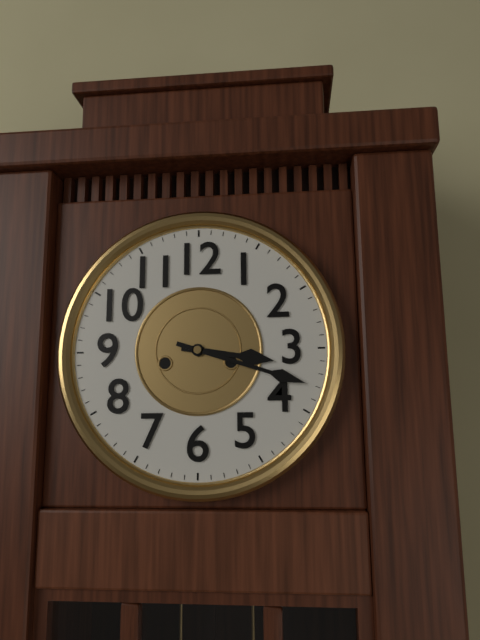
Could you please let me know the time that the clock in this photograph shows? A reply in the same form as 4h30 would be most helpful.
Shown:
3h18
